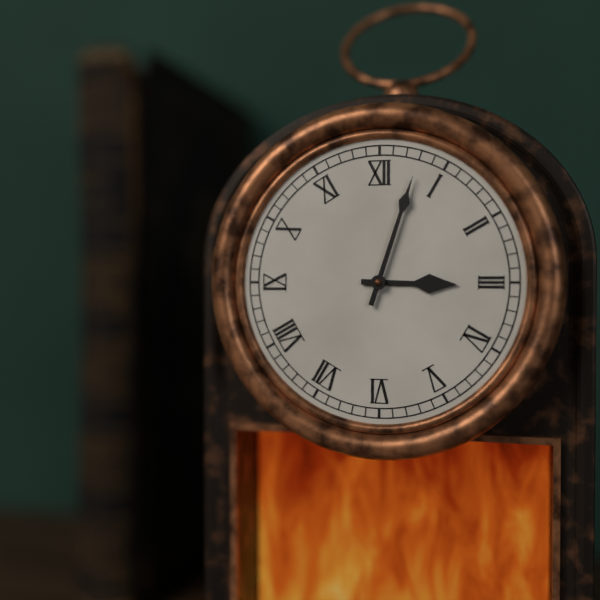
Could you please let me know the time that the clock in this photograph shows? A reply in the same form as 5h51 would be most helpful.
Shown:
3h03
